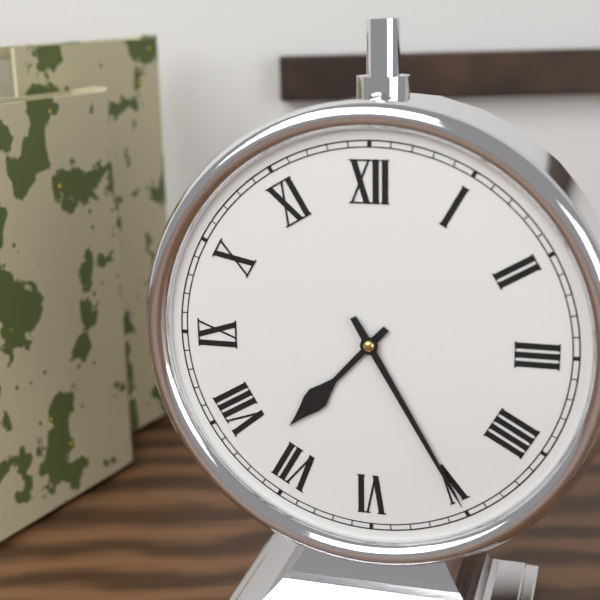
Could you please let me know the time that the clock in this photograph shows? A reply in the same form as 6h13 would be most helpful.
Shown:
7h25
